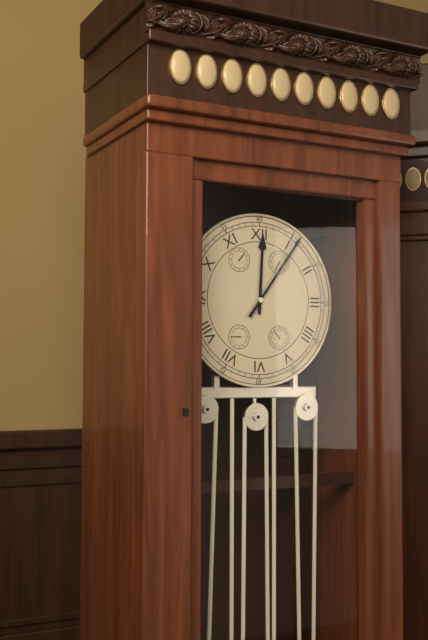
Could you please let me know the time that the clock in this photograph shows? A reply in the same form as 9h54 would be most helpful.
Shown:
12h06
